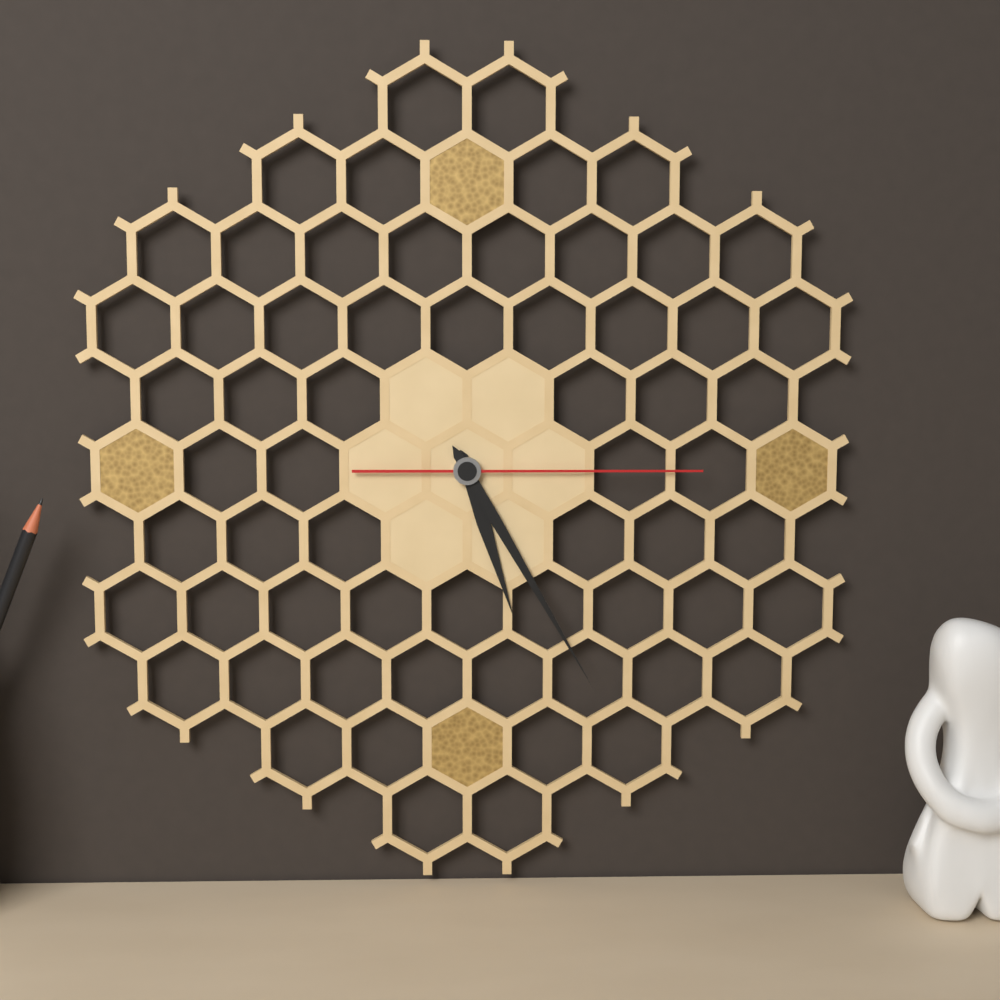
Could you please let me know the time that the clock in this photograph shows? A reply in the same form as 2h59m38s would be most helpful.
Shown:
5h25m15s
